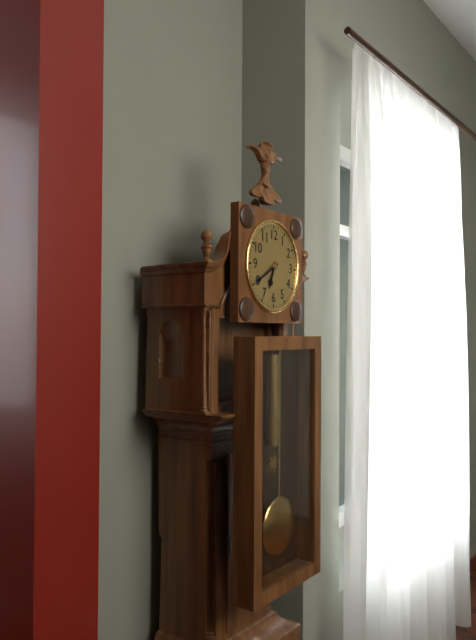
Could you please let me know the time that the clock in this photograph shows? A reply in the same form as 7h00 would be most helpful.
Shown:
6h40
